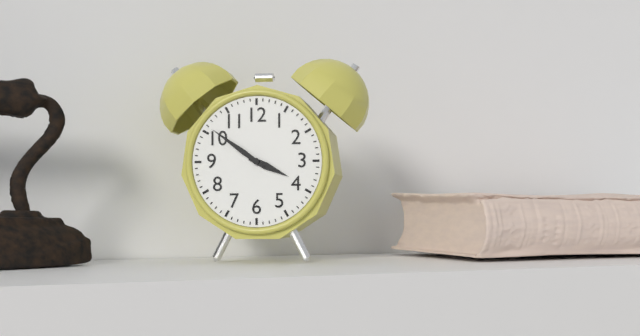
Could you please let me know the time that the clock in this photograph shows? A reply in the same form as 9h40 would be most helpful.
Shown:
3h51
